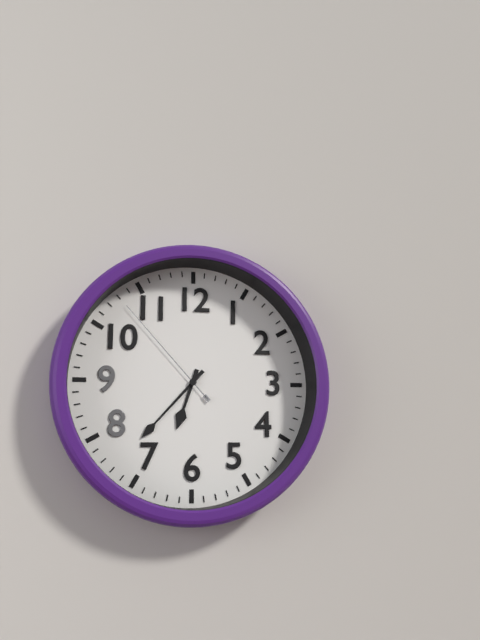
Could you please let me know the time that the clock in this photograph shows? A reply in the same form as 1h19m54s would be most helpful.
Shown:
6h37m53s
